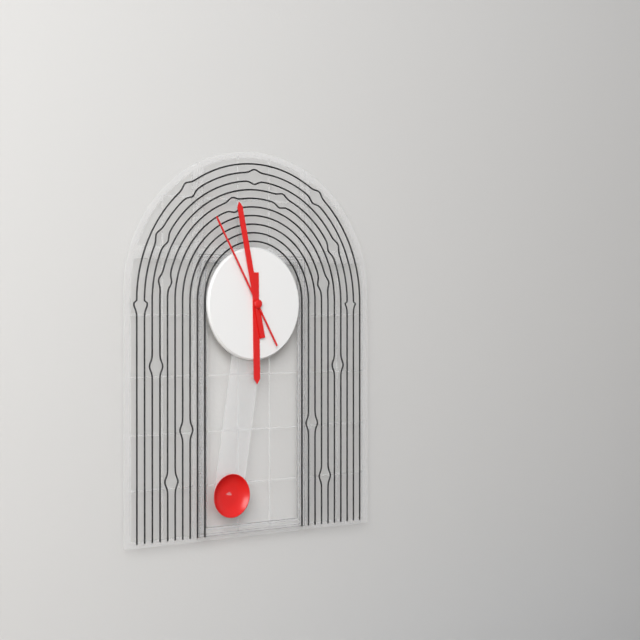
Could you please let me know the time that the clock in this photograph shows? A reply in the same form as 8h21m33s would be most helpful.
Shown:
5h58m55s
